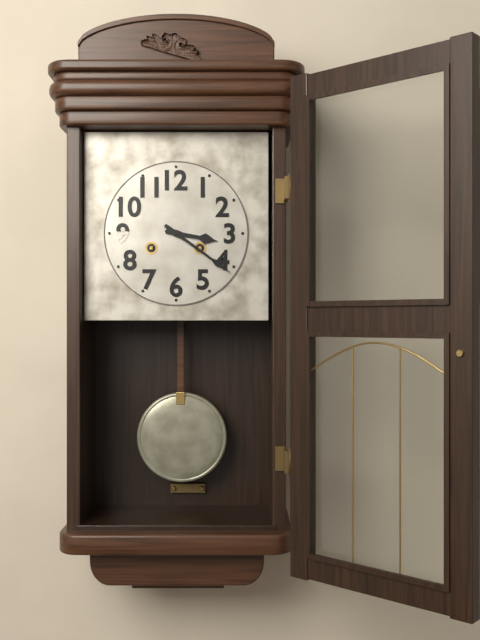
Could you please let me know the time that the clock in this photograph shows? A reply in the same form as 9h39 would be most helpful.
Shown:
3h21
